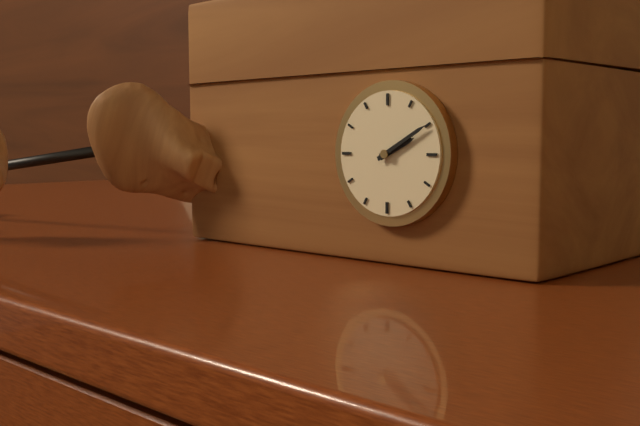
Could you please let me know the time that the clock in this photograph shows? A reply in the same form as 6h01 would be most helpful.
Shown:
2h10
